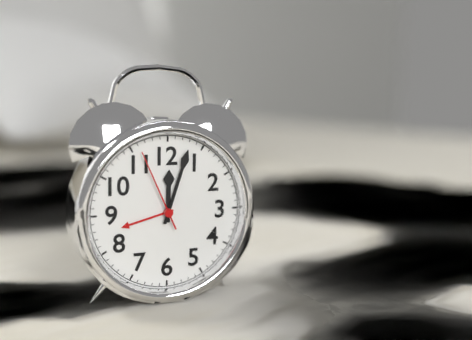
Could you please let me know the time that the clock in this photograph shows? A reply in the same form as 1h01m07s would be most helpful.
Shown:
12h03m56s
